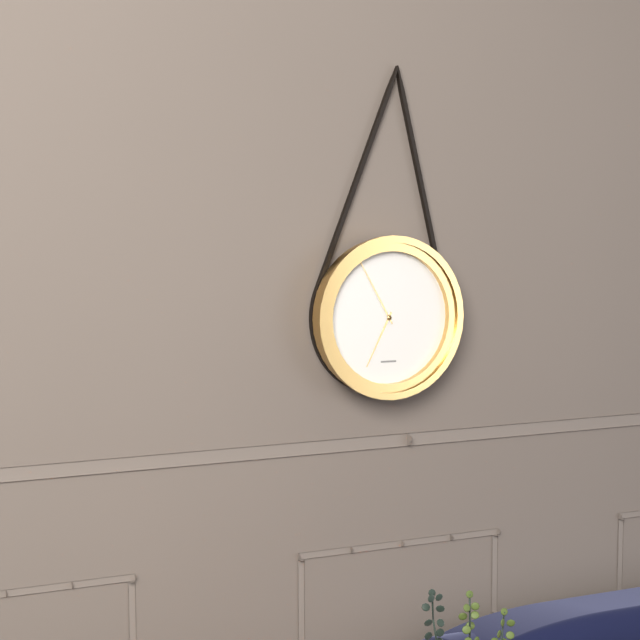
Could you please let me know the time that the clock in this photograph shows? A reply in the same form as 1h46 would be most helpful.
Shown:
6h55
